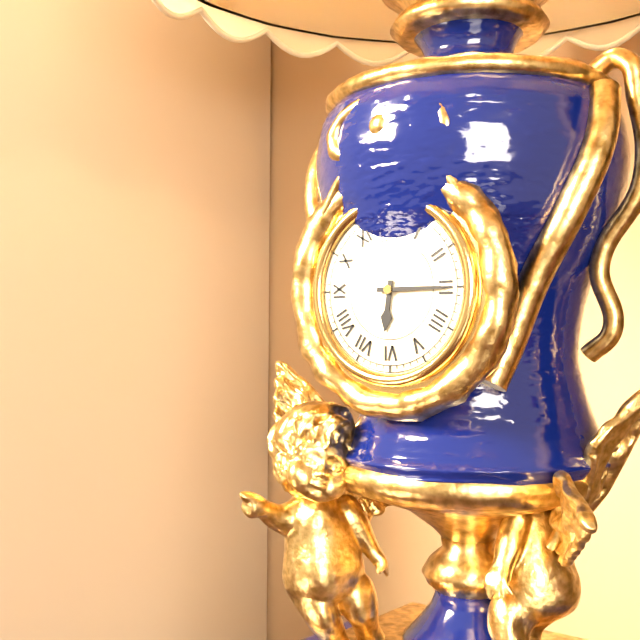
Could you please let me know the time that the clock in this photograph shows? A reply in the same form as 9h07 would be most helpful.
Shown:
6h15
